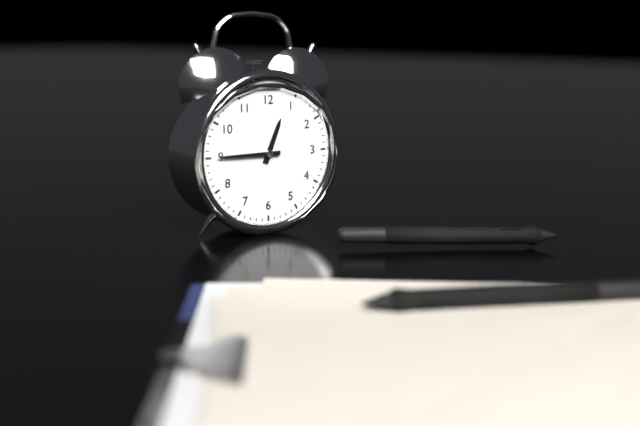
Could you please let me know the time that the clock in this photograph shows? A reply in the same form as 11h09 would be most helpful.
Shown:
12h45
